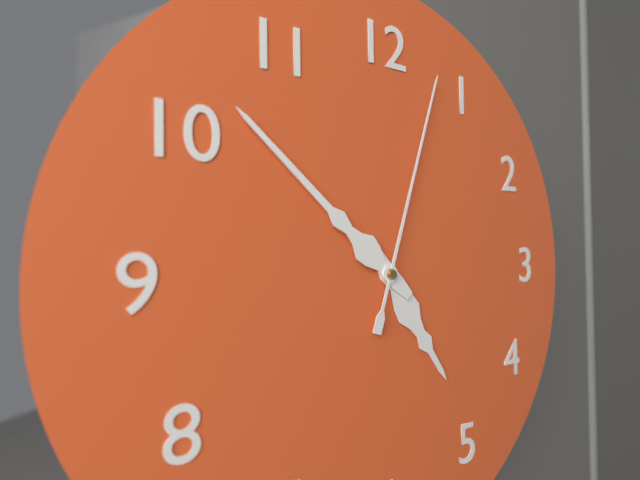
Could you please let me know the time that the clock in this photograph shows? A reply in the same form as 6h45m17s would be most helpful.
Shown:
4h52m03s
